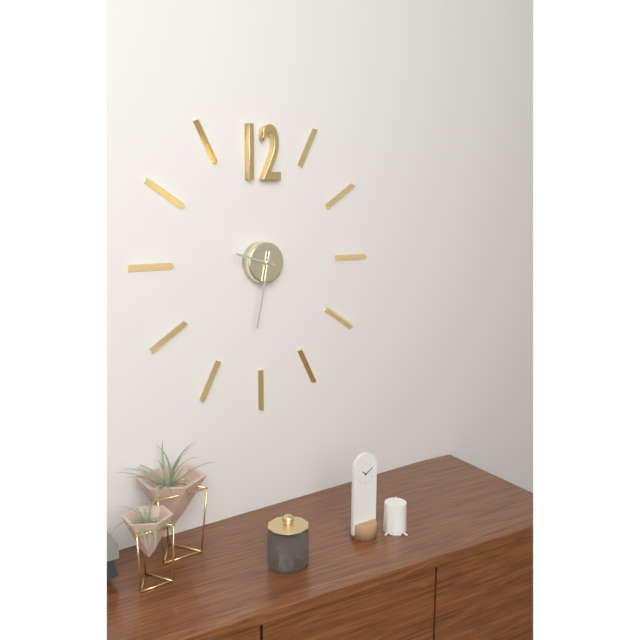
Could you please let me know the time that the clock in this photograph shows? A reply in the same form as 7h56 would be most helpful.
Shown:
9h32
